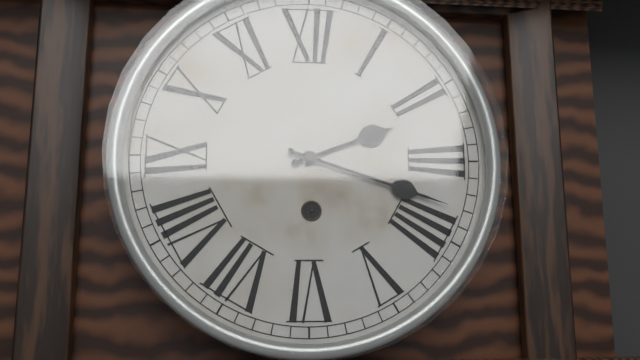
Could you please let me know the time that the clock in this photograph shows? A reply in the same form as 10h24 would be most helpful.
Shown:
2h18
